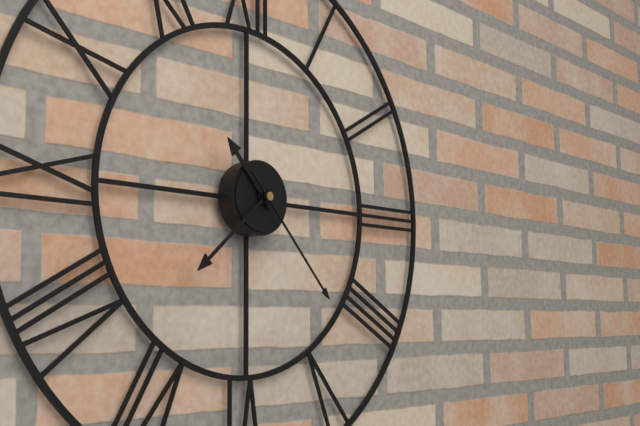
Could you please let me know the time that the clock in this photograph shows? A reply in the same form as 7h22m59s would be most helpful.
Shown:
10h38m23s
